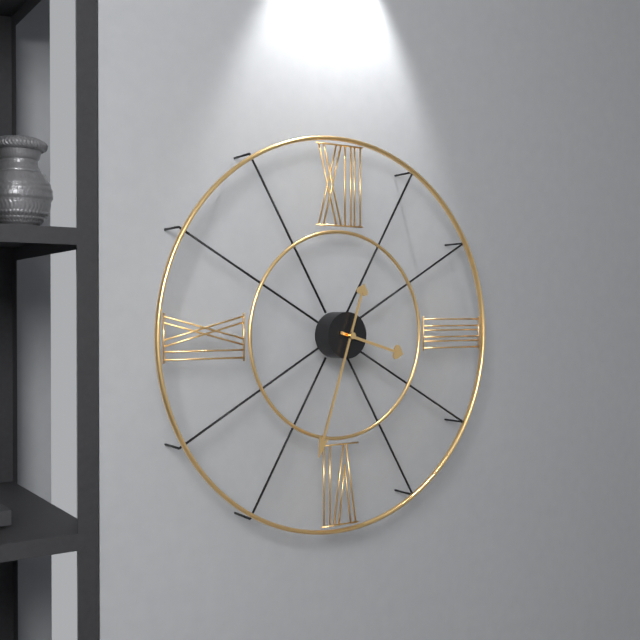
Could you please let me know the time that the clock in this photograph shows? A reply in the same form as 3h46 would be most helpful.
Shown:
3h33
